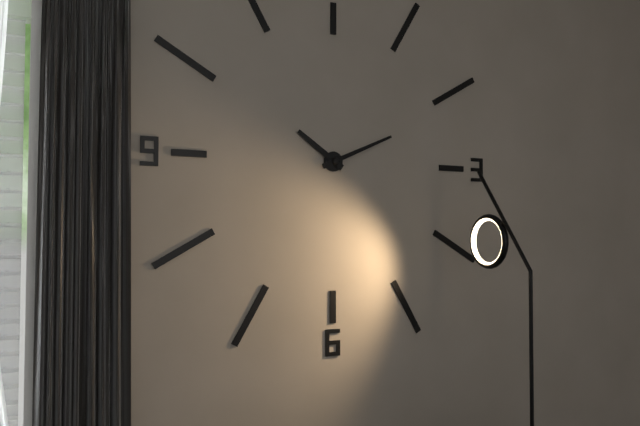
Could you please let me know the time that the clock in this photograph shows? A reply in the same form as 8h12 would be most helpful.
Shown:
10h11
